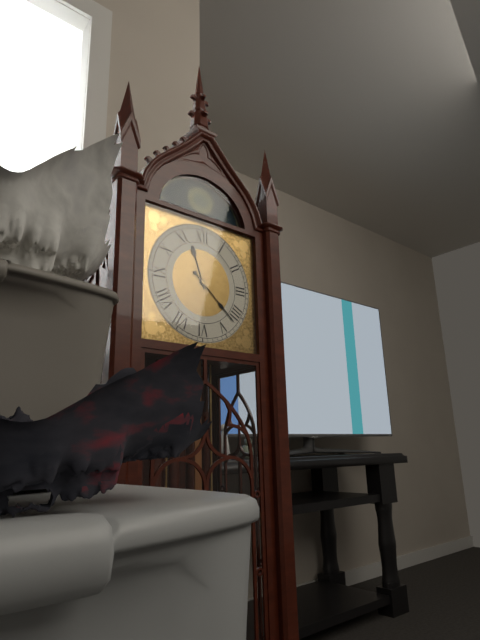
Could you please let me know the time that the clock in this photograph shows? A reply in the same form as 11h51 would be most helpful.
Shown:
11h22
